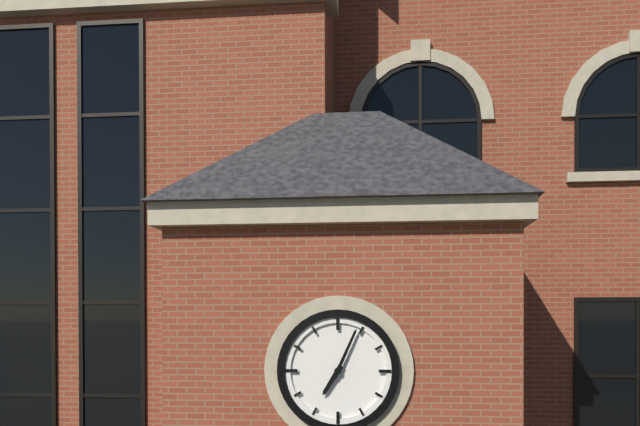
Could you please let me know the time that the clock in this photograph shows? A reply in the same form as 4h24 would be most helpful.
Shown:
7h04
